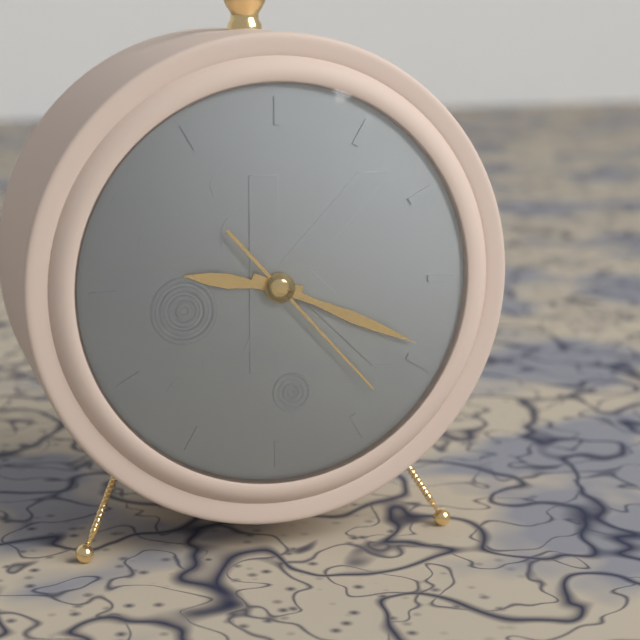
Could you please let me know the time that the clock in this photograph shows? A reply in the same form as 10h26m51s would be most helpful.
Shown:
9h19m23s
